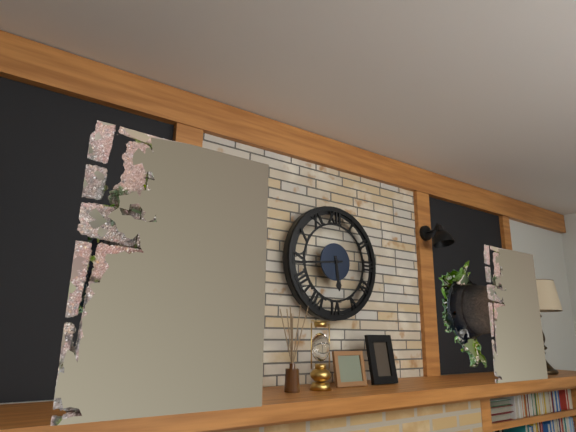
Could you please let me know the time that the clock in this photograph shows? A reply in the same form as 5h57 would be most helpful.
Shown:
5h44
